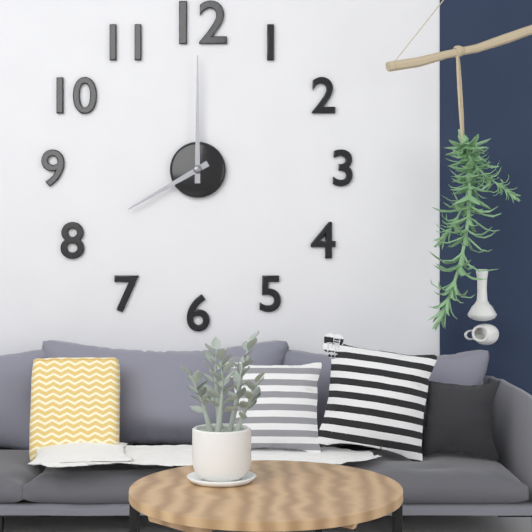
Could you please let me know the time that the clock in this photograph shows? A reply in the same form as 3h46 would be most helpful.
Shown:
8h00
